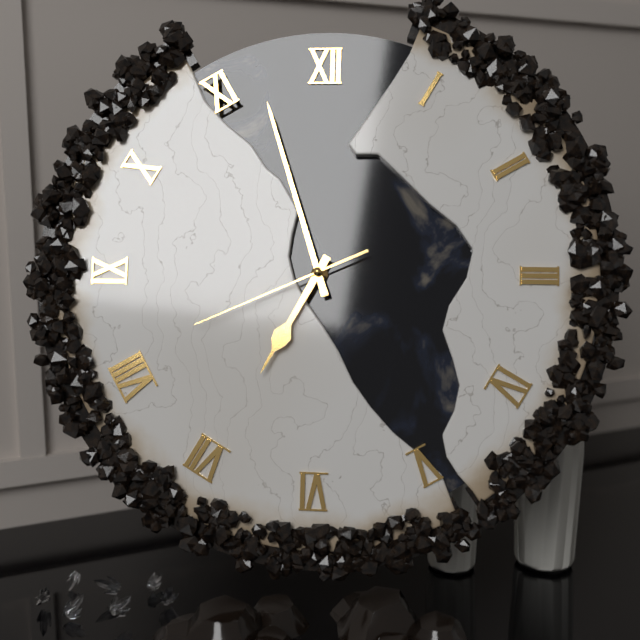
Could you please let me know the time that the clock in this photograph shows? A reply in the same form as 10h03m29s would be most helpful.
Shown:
6h57m41s
